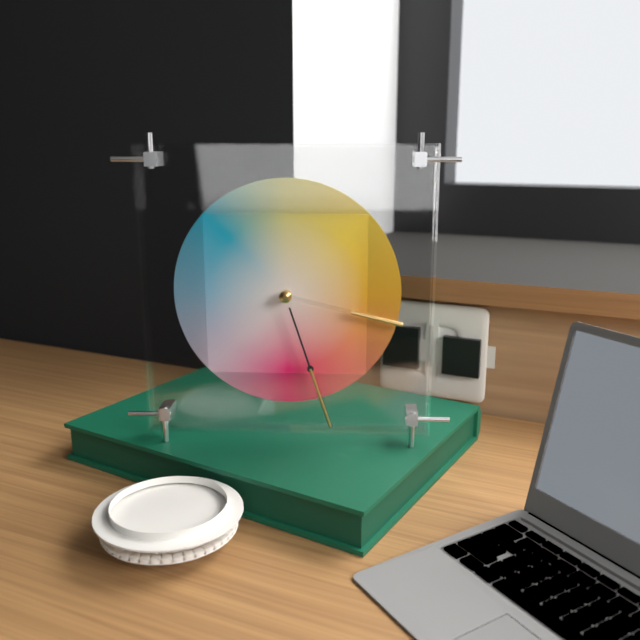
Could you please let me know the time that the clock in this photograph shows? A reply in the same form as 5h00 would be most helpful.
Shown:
3h27
